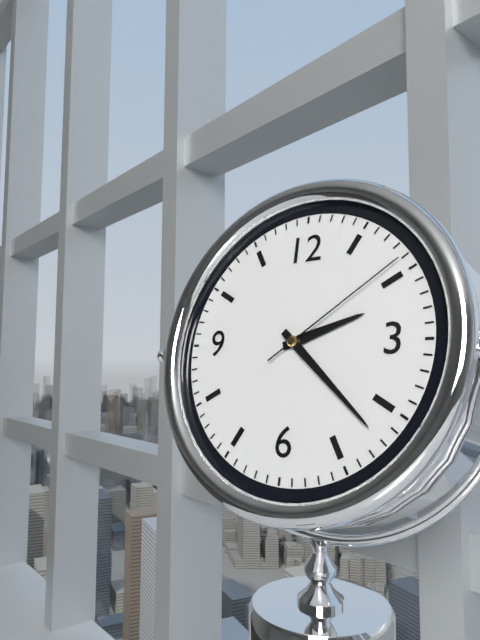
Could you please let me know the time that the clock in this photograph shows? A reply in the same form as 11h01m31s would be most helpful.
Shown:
2h22m09s
